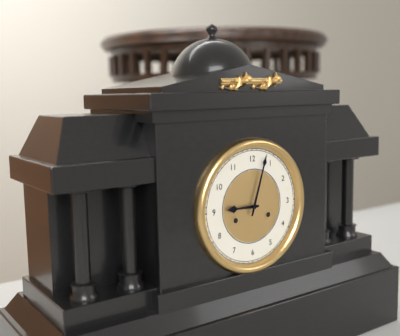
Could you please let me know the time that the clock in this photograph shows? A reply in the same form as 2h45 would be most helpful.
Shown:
9h03
